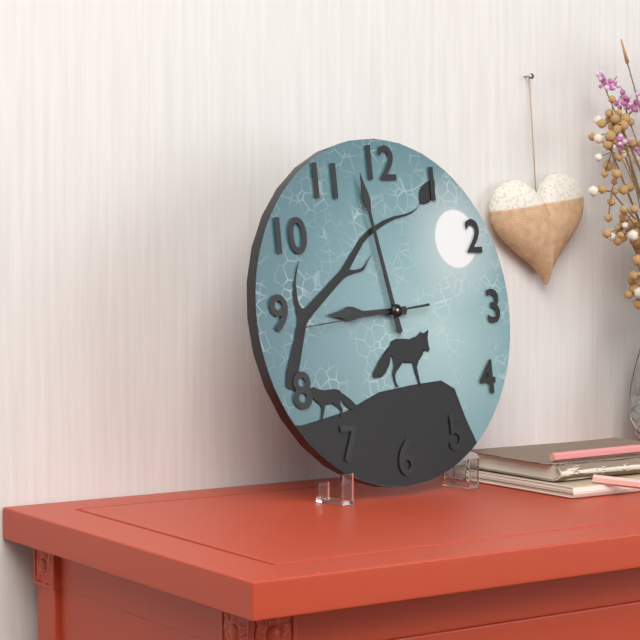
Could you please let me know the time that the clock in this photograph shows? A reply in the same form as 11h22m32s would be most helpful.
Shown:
8h58m44s
